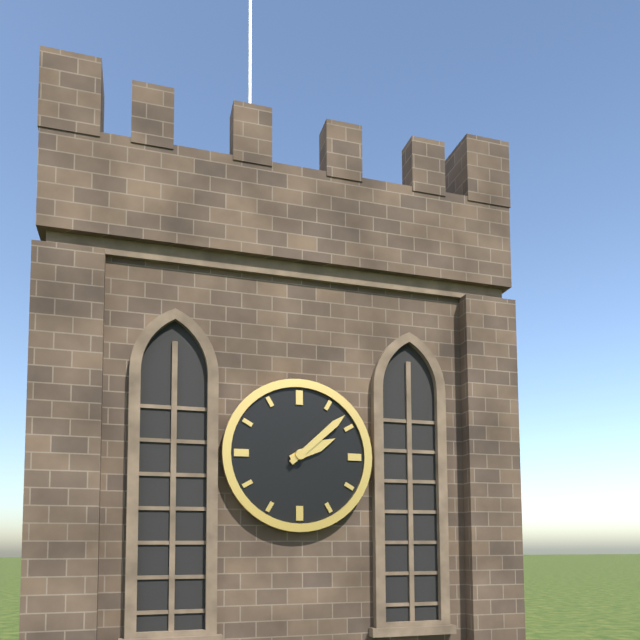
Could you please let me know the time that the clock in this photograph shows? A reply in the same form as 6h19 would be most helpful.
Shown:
2h08
